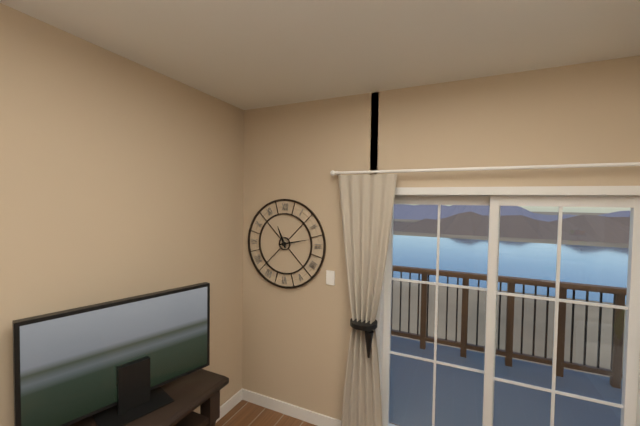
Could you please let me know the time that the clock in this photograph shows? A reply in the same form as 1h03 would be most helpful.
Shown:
11h13
